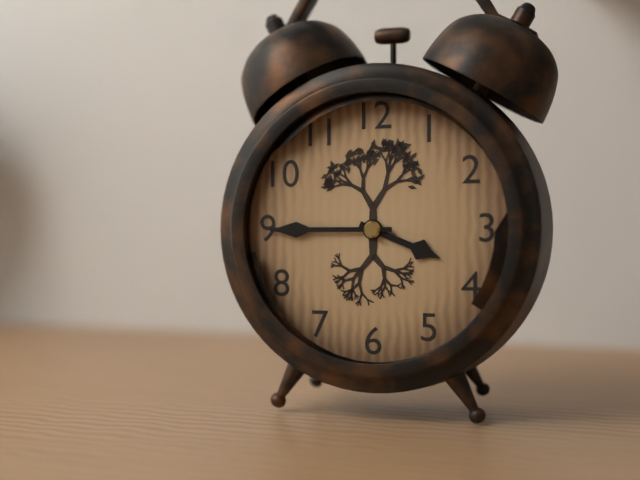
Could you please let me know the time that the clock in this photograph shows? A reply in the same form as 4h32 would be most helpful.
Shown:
3h45
